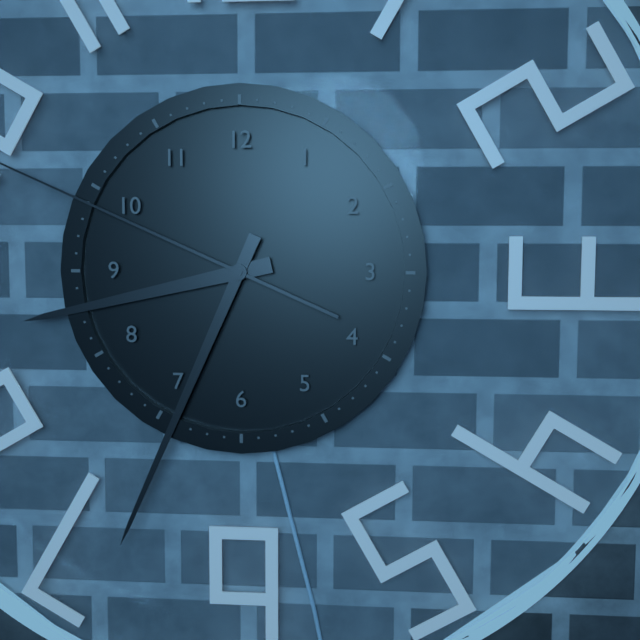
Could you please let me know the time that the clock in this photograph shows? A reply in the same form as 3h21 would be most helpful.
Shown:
8h34
